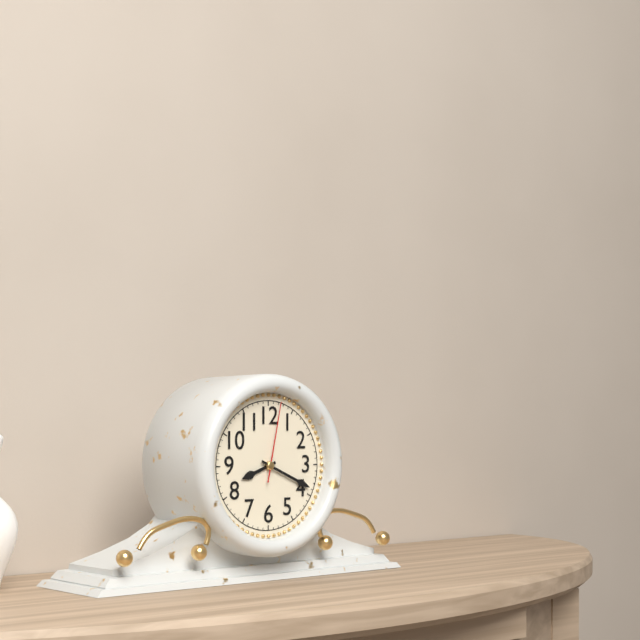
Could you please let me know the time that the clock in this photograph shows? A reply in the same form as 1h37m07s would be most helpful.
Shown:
8h19m02s
